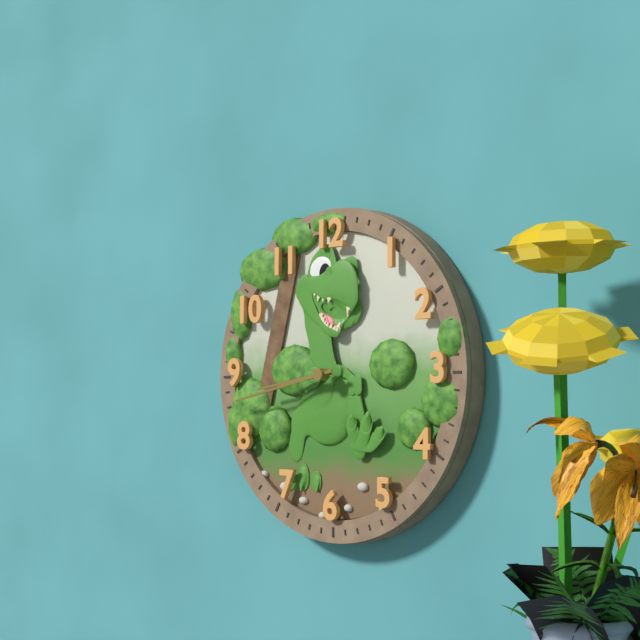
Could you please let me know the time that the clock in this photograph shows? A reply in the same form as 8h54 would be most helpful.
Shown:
8h43
